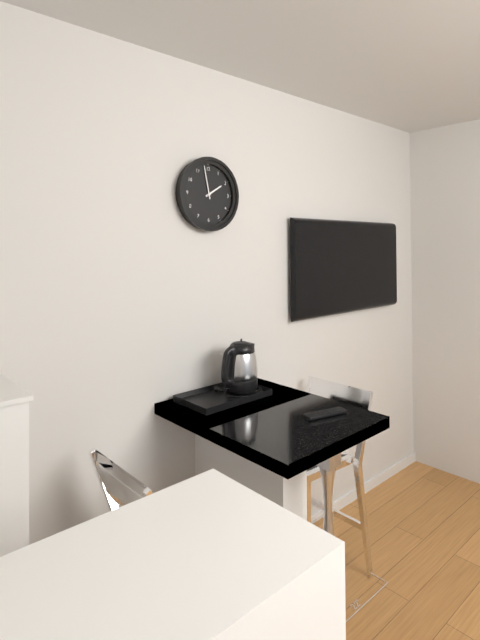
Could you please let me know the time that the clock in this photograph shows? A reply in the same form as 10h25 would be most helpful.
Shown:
1h58
